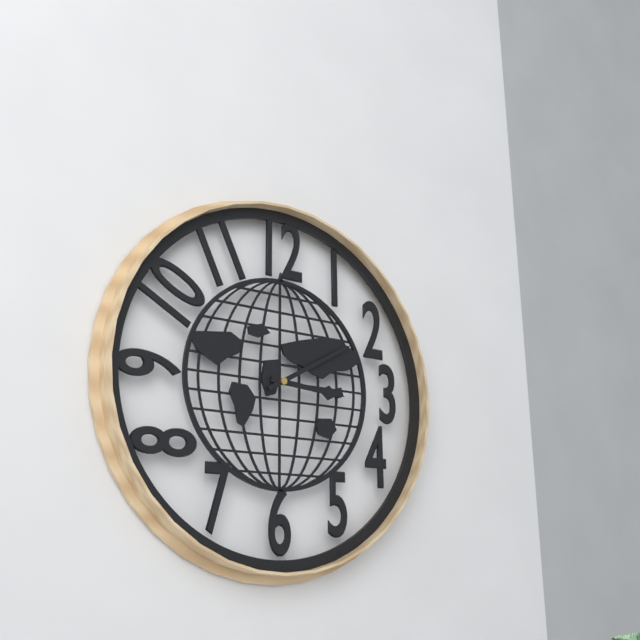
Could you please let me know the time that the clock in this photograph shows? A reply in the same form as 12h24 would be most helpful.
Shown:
3h10
